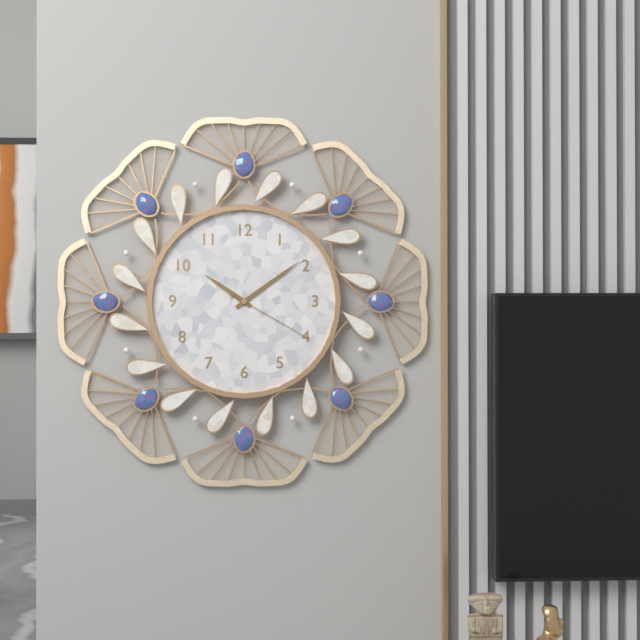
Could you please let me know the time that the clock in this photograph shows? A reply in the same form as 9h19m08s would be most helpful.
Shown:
10h09m20s
